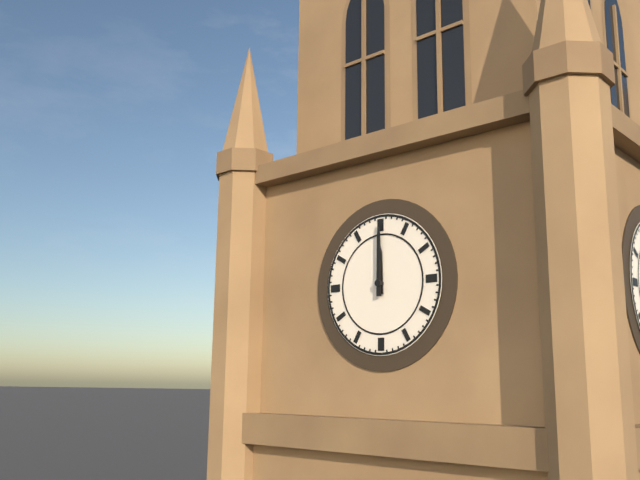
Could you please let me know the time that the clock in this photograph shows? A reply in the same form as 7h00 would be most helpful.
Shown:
12h00
